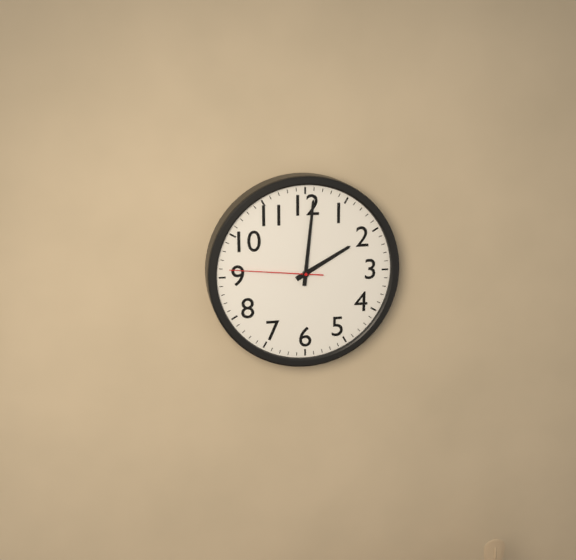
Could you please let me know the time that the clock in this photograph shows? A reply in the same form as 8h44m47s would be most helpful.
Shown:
2h01m46s
